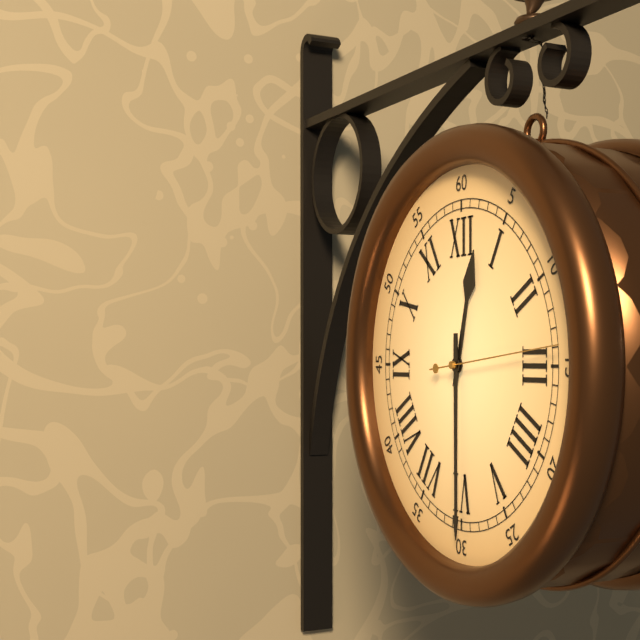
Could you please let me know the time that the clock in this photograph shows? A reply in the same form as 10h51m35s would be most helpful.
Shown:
12h30m14s
